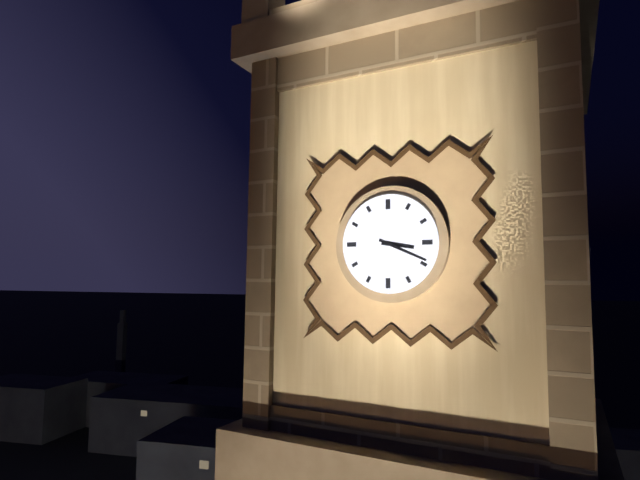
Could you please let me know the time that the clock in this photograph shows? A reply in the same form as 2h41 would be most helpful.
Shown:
3h19
